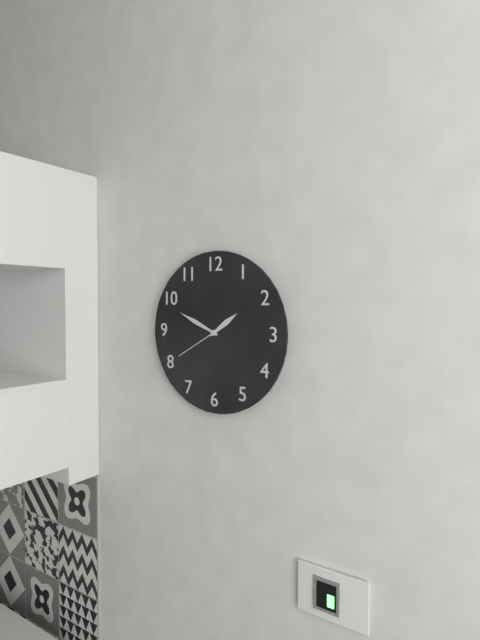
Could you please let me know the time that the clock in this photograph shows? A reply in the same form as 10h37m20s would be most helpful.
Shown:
1h49m40s
